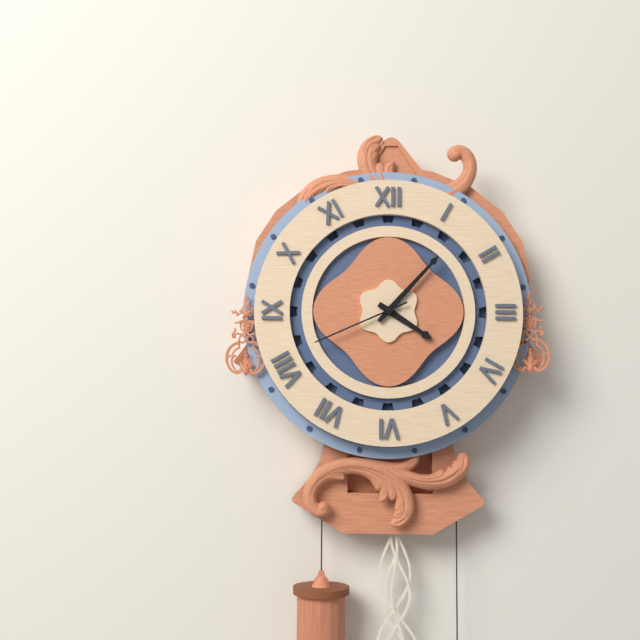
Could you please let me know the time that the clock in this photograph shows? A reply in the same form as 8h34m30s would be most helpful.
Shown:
4h07m41s
